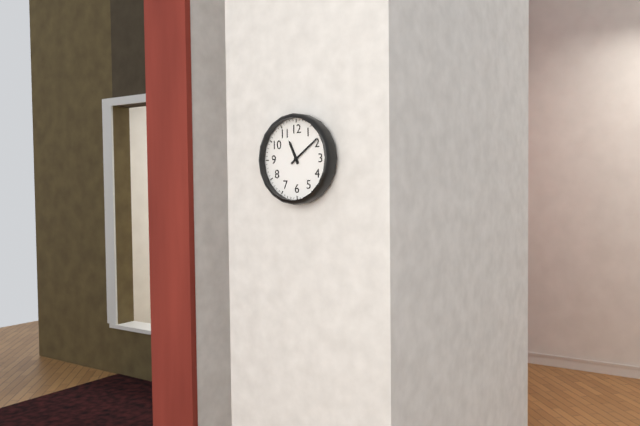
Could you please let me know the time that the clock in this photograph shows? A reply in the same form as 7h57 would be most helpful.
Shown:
11h09
